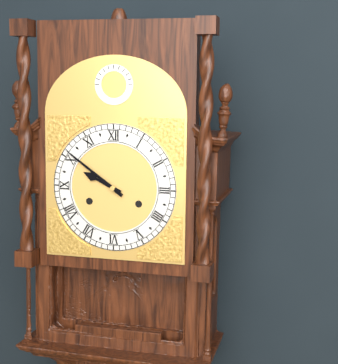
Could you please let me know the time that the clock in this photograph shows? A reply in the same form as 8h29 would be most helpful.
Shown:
9h51
